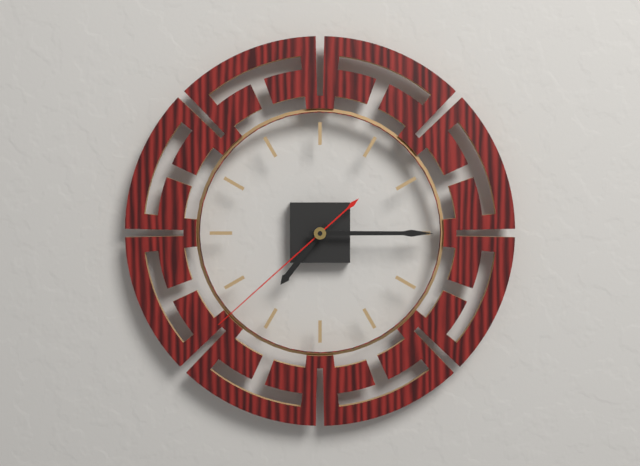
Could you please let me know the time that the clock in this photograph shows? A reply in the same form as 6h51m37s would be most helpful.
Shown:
7h15m38s
